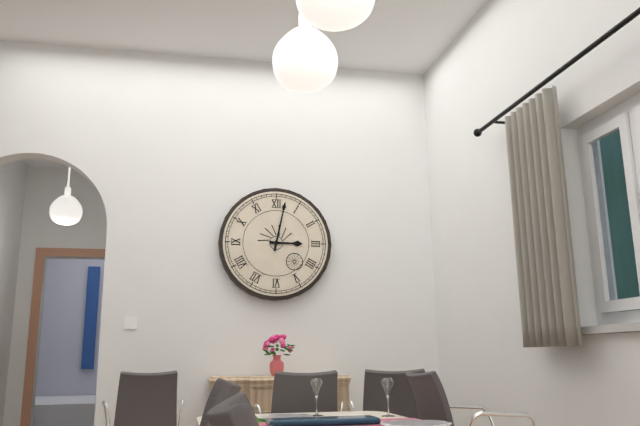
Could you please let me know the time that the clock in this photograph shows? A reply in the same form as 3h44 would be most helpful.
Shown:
3h02
